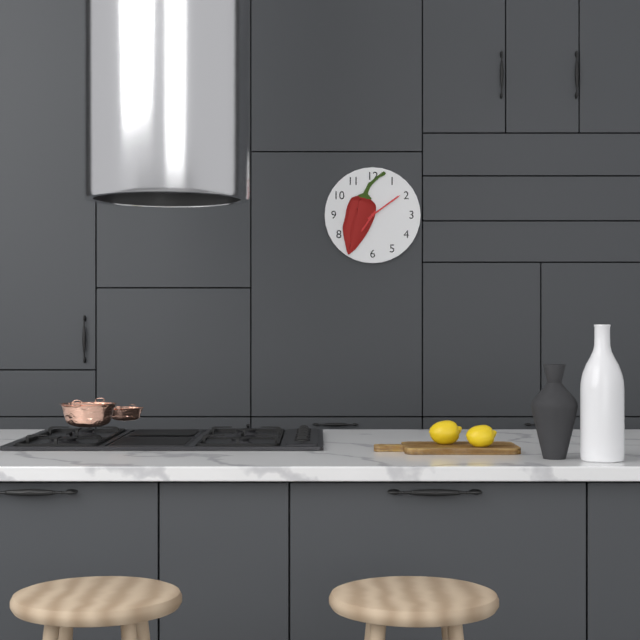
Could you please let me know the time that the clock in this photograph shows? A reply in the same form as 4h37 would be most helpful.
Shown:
7h09
